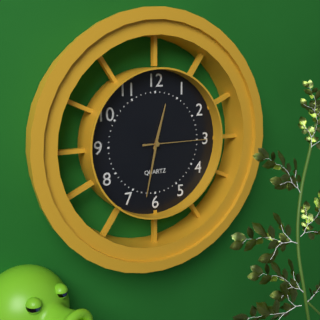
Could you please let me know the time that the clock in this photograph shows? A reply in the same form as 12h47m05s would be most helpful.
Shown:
12h32m15s
